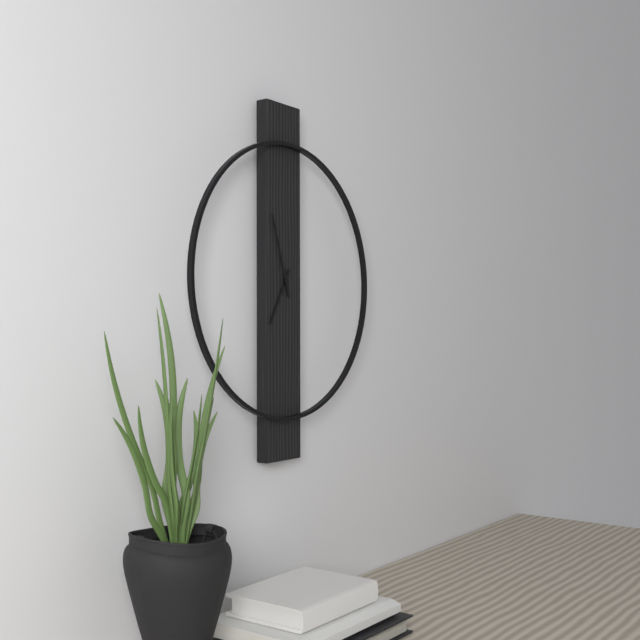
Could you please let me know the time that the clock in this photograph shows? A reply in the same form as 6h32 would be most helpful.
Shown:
6h57
